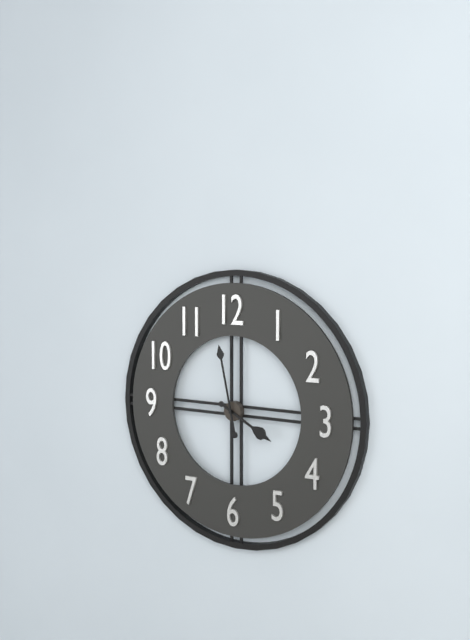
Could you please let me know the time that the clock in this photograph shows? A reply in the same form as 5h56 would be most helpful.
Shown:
3h58
